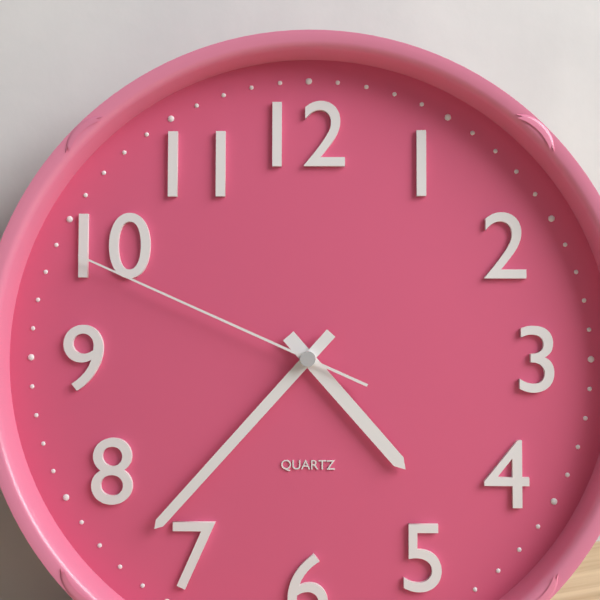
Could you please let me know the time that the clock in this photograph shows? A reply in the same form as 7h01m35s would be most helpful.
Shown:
4h37m49s
